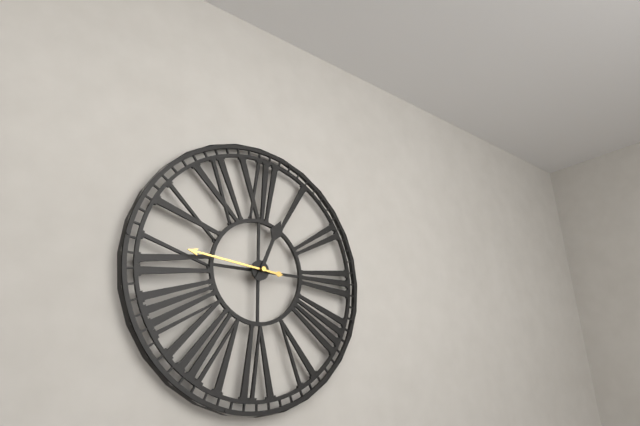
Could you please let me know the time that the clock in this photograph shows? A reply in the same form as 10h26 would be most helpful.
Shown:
12h46
